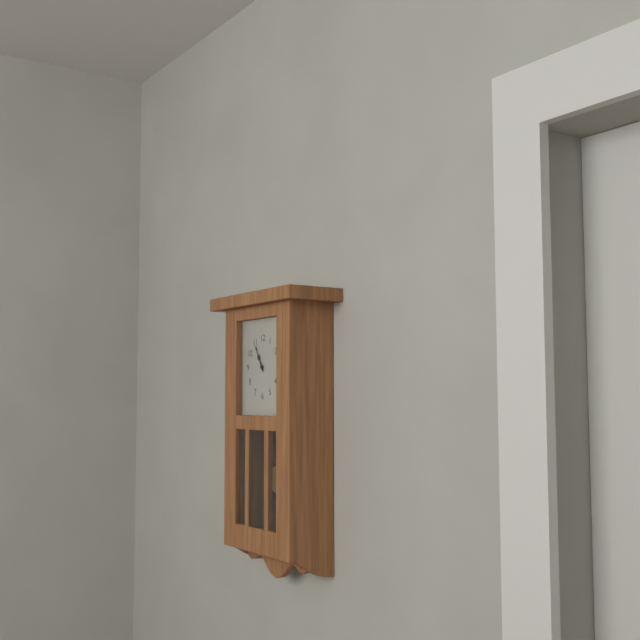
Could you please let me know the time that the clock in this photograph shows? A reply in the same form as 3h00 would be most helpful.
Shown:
10h55
